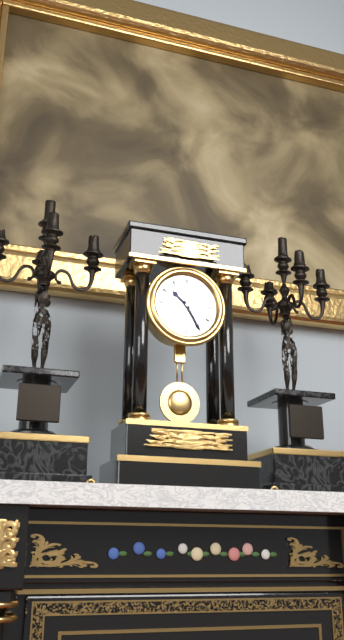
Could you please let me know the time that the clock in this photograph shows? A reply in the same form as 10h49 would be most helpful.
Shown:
10h25
